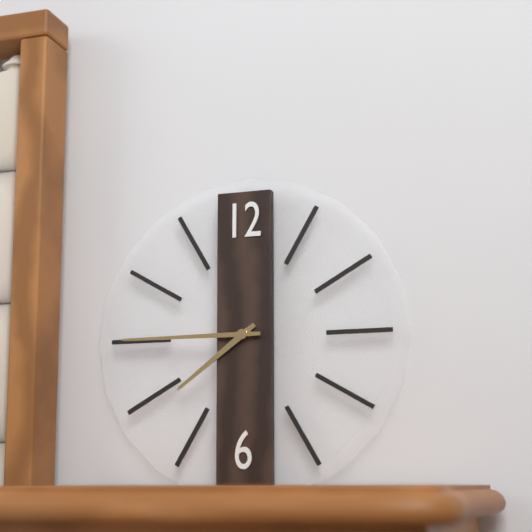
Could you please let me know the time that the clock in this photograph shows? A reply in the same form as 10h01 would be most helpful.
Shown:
7h45
